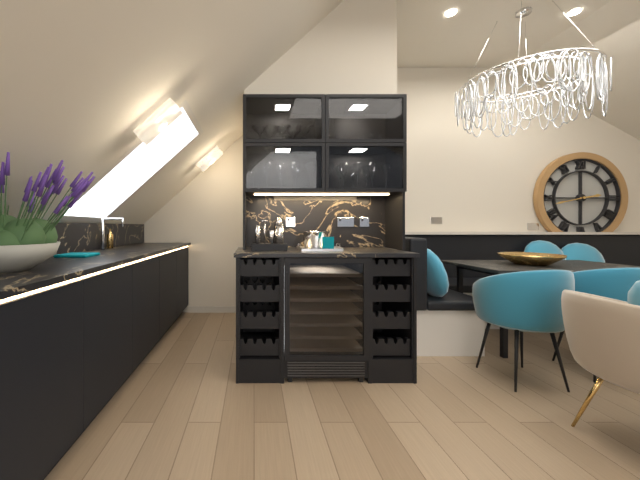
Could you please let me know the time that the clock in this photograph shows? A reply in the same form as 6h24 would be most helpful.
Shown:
2h43
